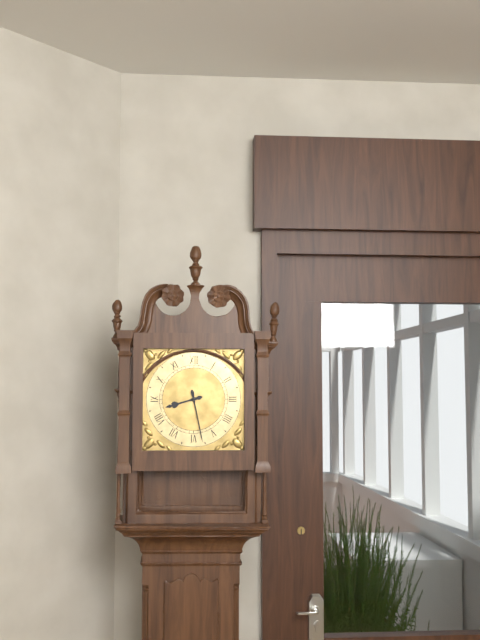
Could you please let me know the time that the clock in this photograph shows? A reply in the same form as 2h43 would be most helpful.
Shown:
8h28
